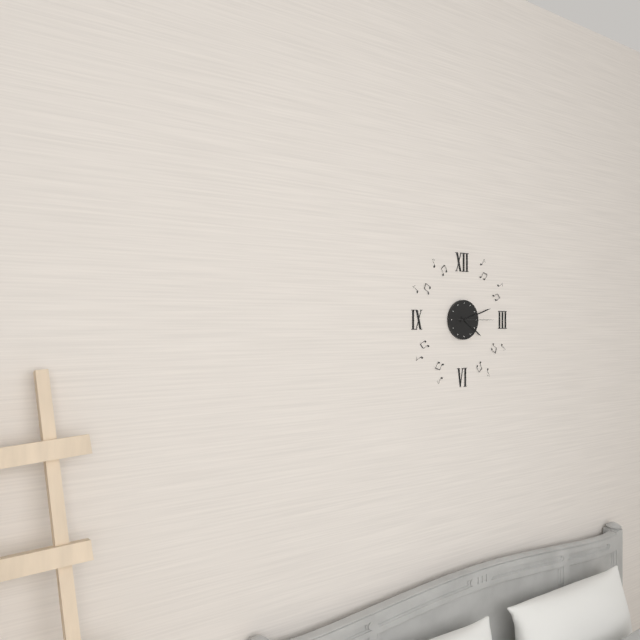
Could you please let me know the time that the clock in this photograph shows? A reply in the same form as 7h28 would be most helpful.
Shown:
4h12
